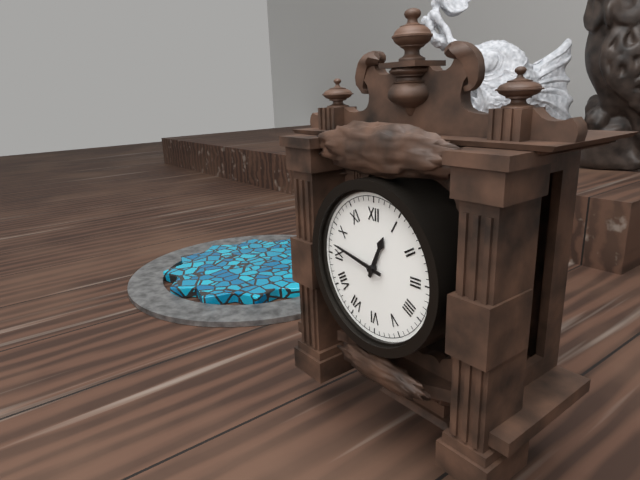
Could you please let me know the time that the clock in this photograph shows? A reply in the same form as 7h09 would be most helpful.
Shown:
12h47
